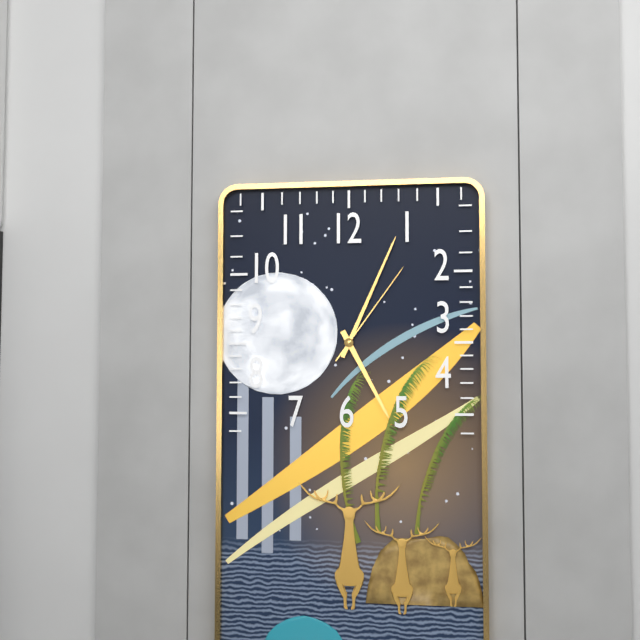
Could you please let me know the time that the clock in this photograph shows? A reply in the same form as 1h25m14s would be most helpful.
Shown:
5h04m06s
